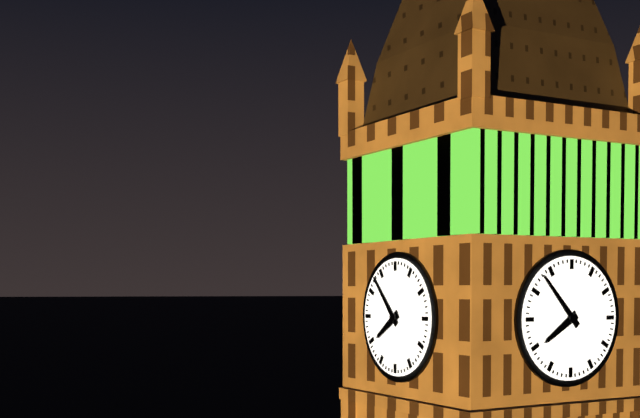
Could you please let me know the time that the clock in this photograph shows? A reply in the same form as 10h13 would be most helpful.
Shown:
7h53
